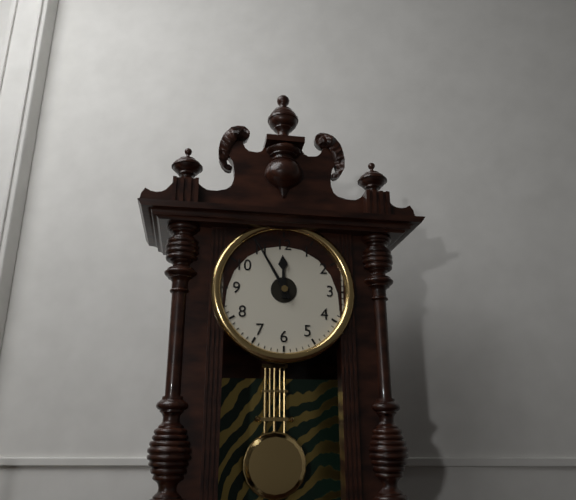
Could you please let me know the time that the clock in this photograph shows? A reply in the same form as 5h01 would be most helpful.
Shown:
11h55
